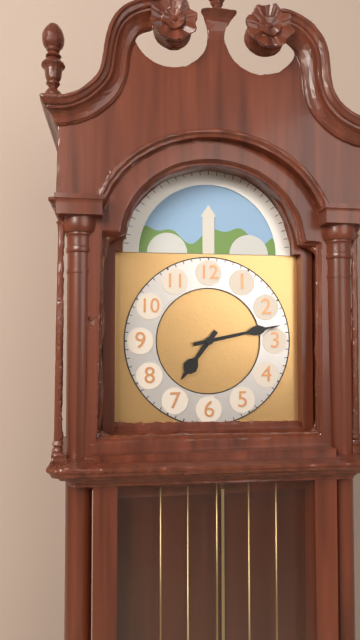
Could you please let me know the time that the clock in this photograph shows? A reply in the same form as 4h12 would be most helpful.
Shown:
7h13
